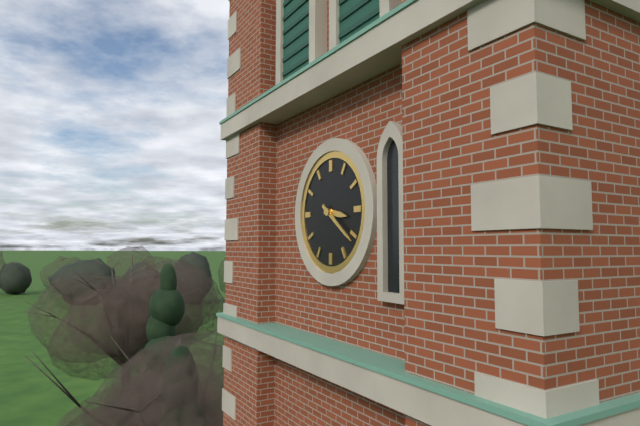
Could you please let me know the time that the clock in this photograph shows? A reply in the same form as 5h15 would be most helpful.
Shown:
3h21
